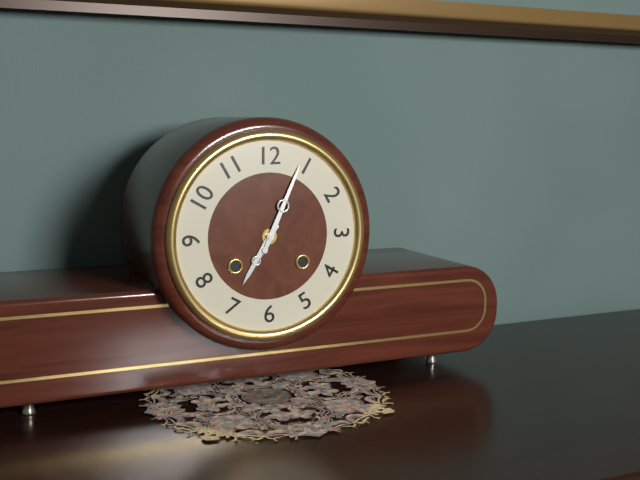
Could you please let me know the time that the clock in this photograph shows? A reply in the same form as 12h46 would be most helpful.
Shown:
7h04
